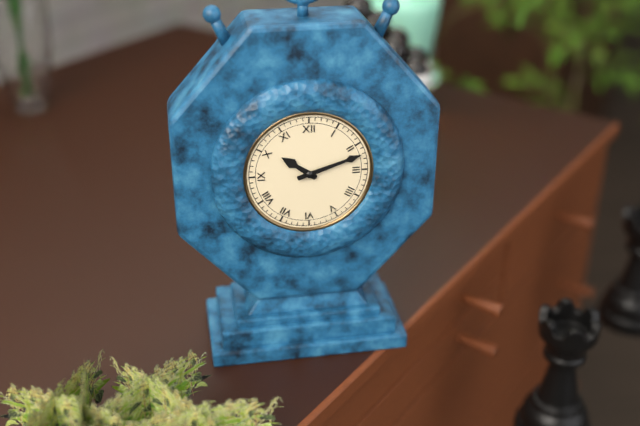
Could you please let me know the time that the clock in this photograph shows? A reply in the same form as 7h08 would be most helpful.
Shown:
10h12
